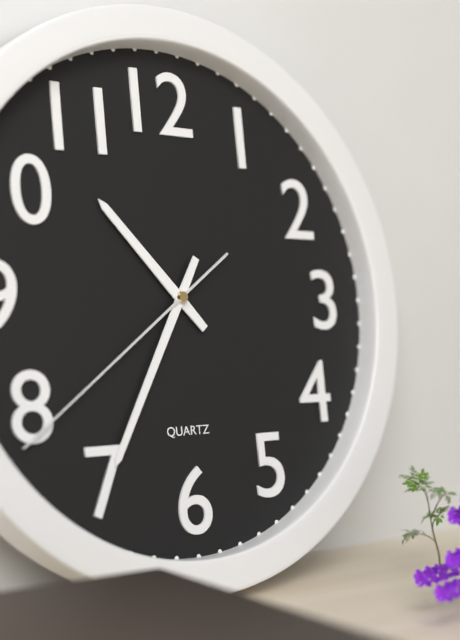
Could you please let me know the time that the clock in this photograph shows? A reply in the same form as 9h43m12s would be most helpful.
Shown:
10h35m39s
